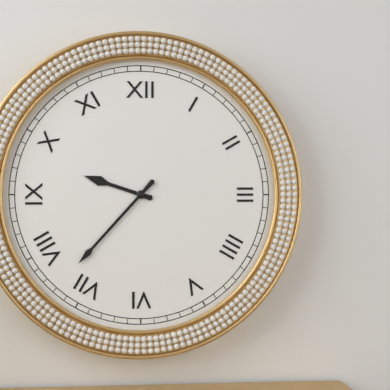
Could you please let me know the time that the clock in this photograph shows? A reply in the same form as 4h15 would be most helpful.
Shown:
9h37
